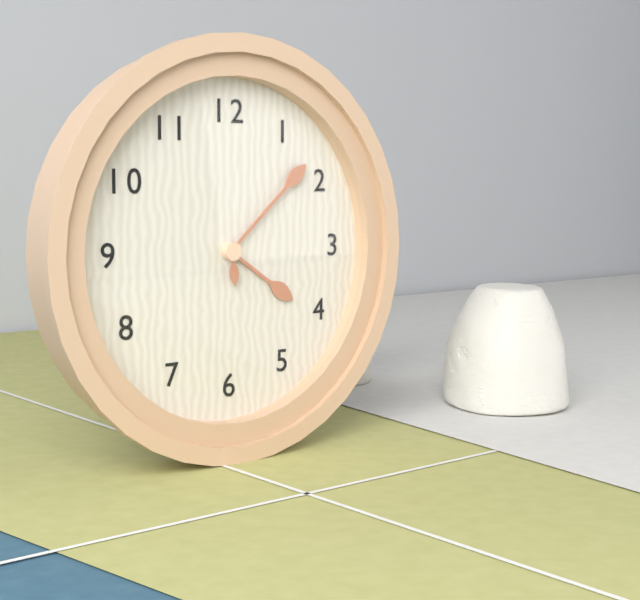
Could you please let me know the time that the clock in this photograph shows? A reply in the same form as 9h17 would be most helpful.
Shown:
4h08
